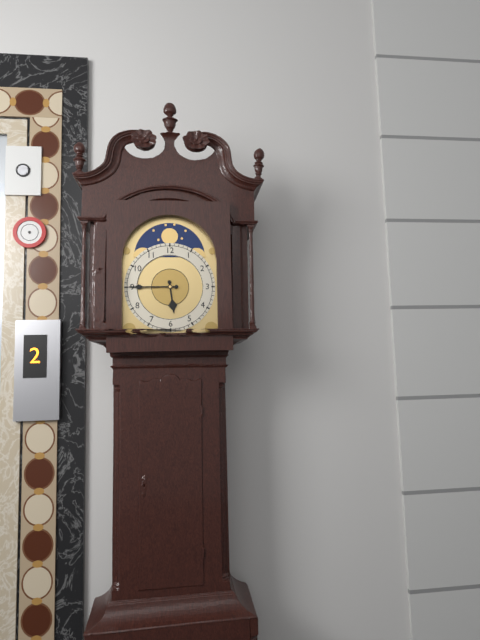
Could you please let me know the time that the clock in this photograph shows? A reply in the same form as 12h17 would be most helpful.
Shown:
5h45
